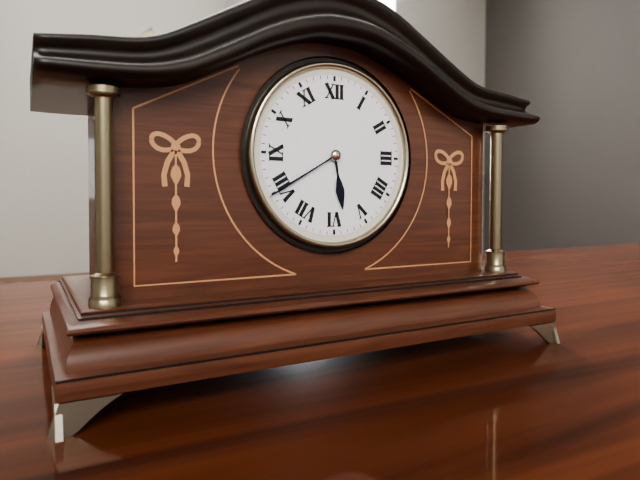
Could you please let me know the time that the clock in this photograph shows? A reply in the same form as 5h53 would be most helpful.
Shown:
5h40
